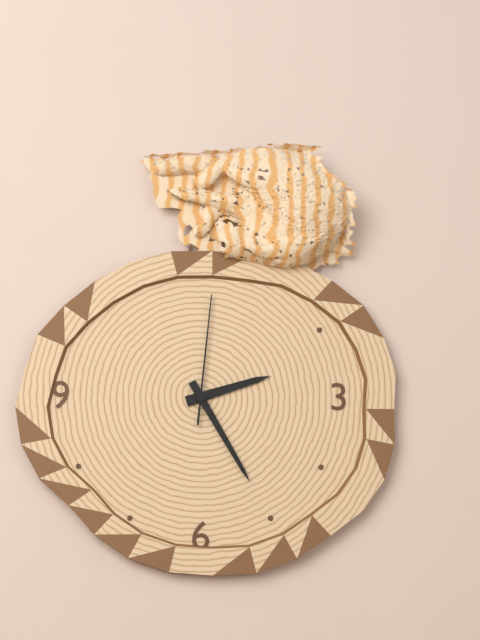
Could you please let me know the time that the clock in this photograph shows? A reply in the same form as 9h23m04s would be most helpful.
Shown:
2h25m01s
